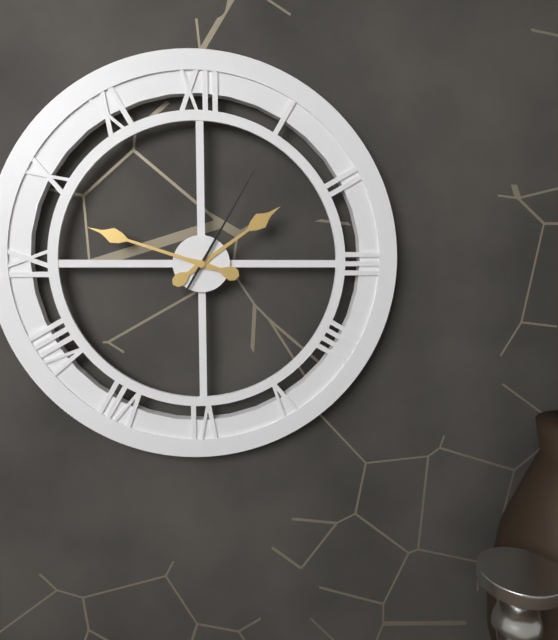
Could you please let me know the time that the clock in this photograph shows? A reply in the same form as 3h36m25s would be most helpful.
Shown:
1h48m05s
